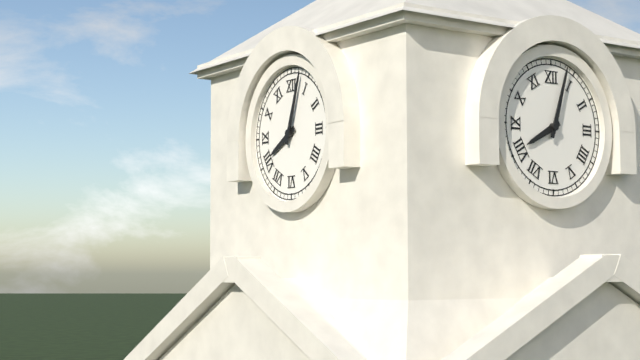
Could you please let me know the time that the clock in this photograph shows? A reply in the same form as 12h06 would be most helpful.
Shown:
8h03
